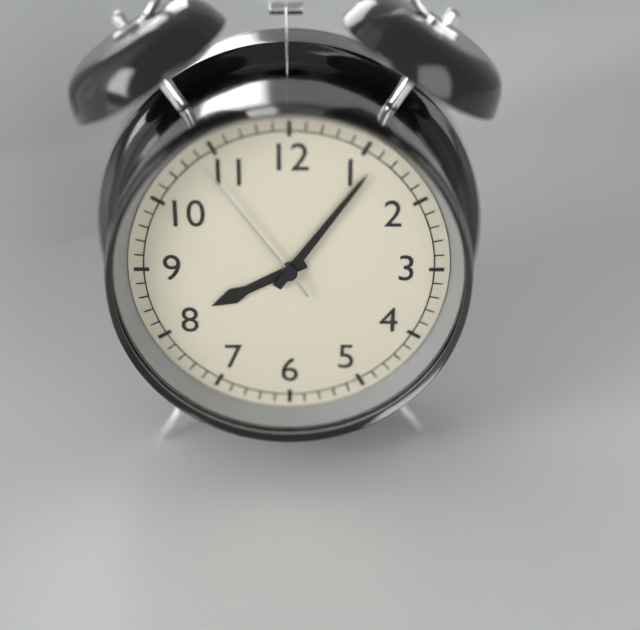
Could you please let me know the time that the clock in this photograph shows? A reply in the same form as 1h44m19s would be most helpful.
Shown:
8h06m54s
